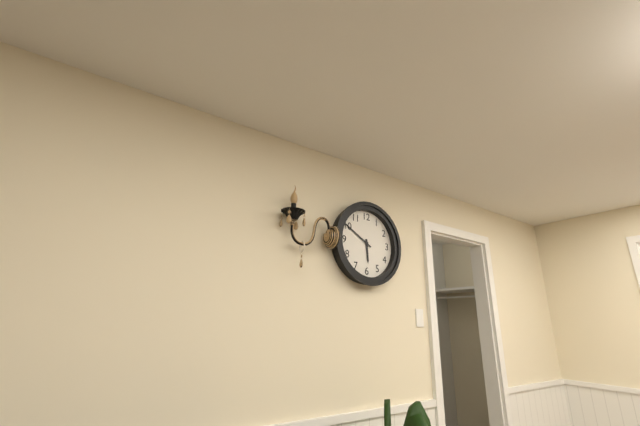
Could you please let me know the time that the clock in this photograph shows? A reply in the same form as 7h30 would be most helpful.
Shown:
5h50
